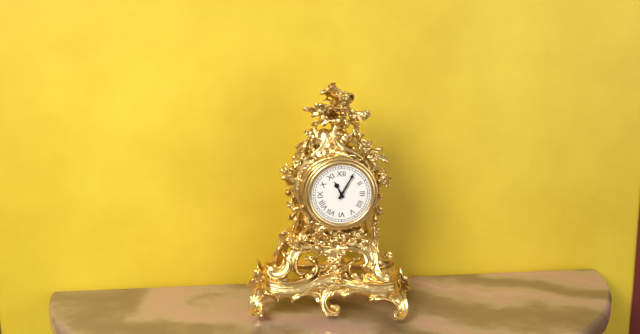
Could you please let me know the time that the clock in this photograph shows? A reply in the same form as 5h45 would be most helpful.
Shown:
11h05
